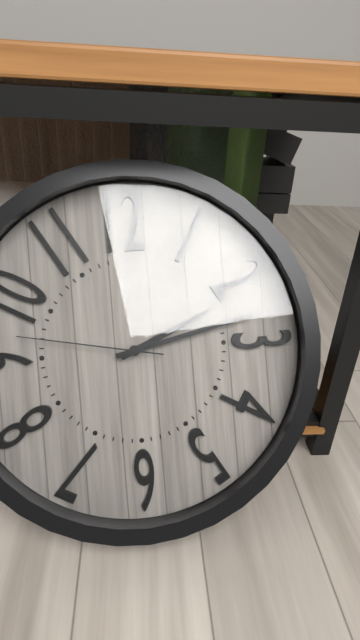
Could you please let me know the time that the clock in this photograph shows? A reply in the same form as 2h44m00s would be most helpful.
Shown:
2h13m47s
